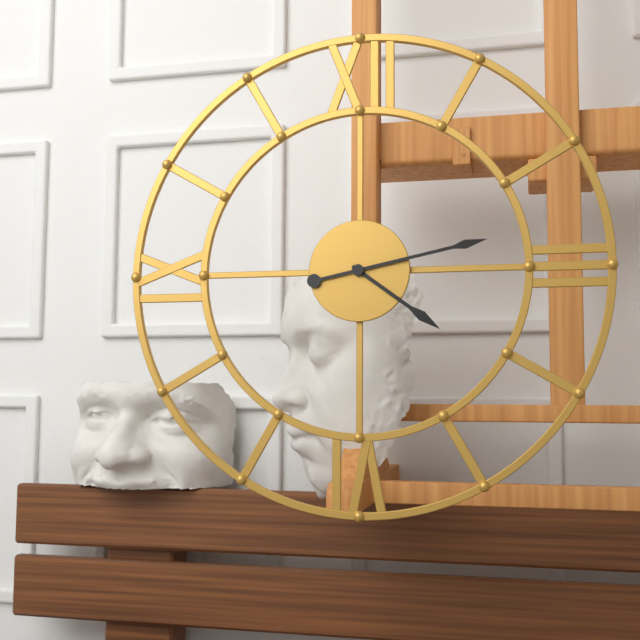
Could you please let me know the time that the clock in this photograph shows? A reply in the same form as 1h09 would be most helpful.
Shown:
4h13
